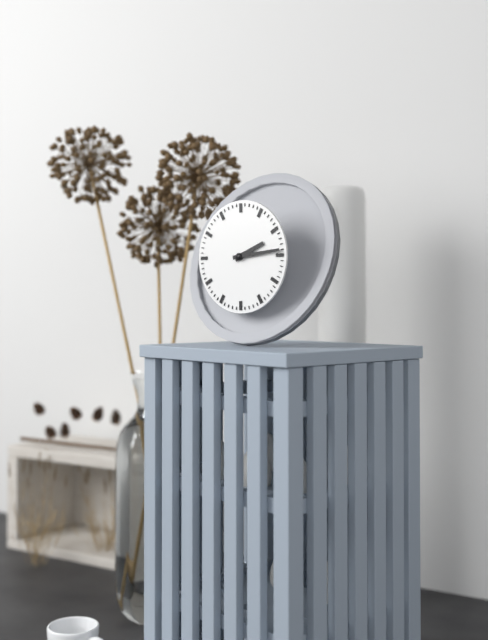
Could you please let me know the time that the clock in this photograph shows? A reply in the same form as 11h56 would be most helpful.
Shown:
2h14
